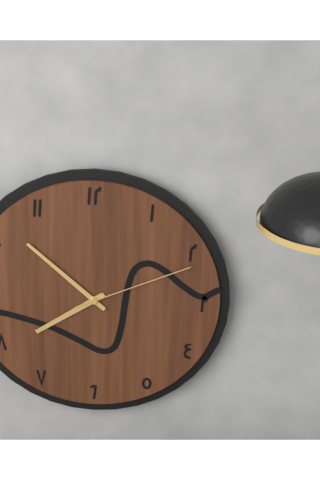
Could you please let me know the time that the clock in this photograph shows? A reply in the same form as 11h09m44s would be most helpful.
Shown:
7h52m11s
